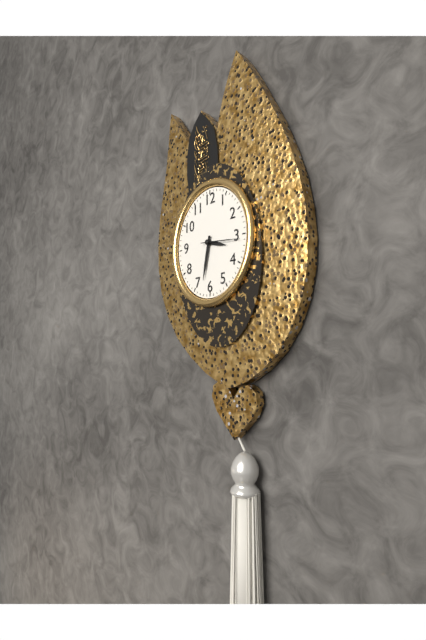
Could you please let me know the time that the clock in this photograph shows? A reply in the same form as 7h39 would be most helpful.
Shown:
3h32
